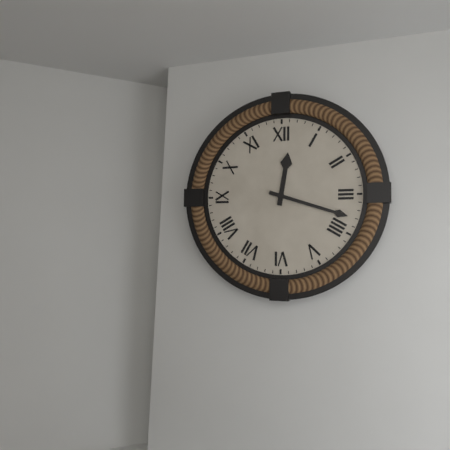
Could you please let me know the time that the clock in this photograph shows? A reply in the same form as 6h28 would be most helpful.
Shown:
12h18
